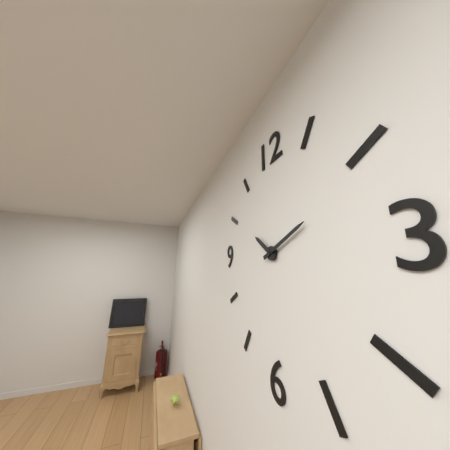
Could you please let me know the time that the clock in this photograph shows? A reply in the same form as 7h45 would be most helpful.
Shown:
10h11
